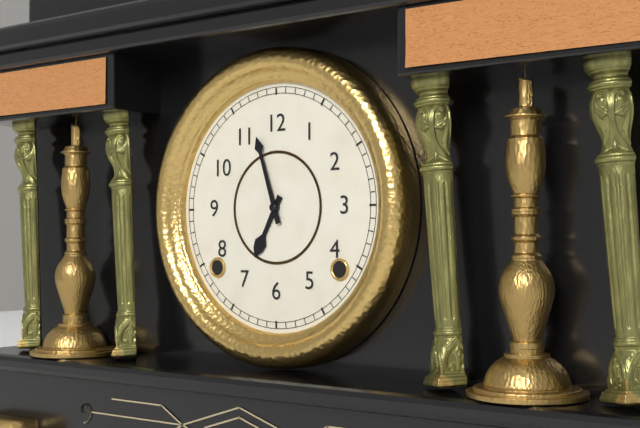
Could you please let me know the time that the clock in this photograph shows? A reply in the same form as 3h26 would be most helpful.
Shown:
6h57
